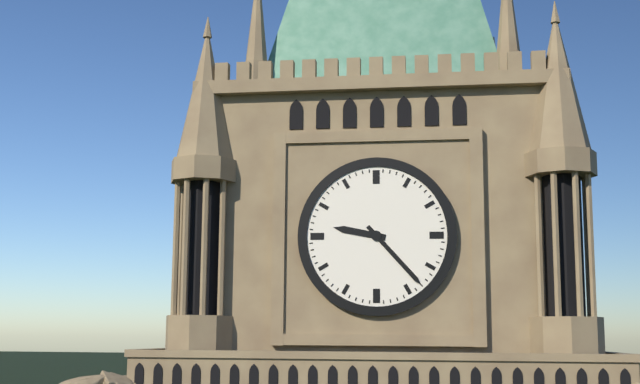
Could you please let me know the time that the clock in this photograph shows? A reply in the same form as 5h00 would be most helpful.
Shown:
9h23
